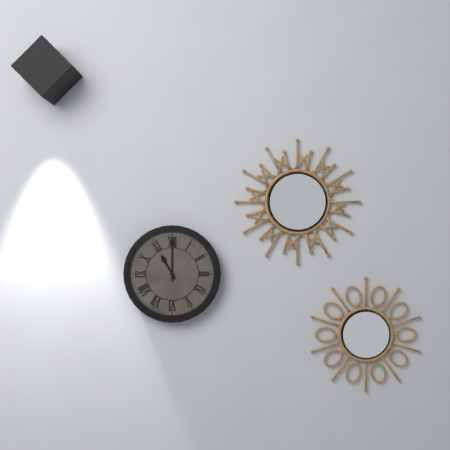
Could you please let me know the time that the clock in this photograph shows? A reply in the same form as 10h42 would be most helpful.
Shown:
11h00
